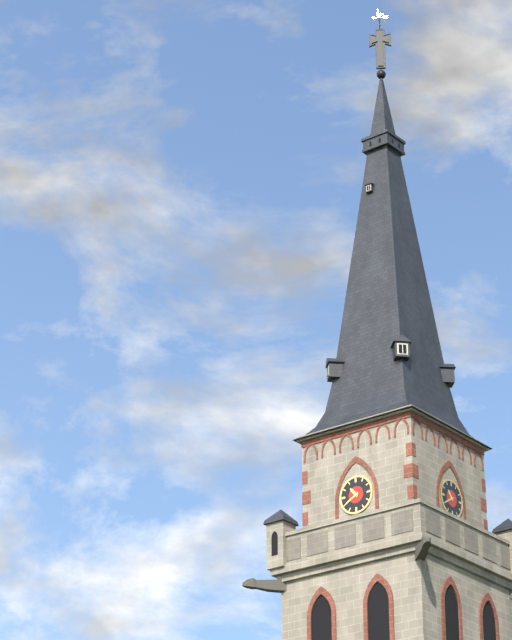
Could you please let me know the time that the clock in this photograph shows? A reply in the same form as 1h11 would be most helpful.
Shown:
10h40
